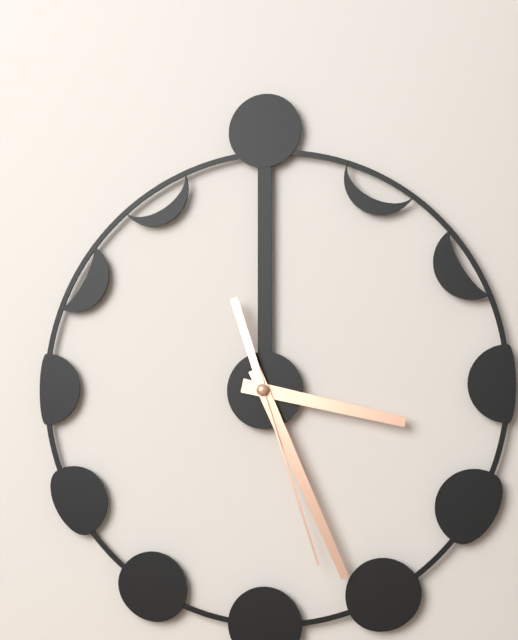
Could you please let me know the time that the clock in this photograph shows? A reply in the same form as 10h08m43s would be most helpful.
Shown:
3h26m27s
